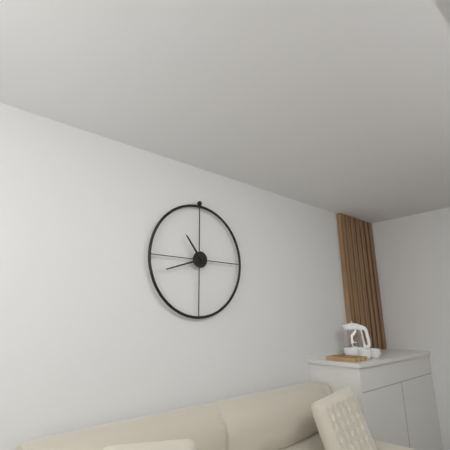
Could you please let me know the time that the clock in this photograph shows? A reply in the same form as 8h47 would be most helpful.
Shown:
10h42
